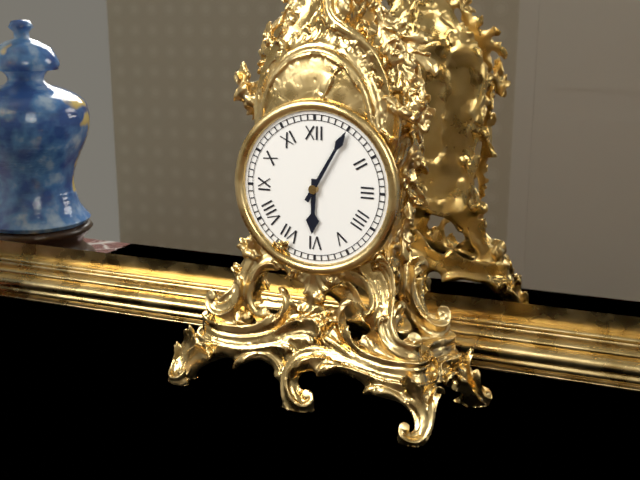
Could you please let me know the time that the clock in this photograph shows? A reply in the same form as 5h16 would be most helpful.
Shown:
6h05
